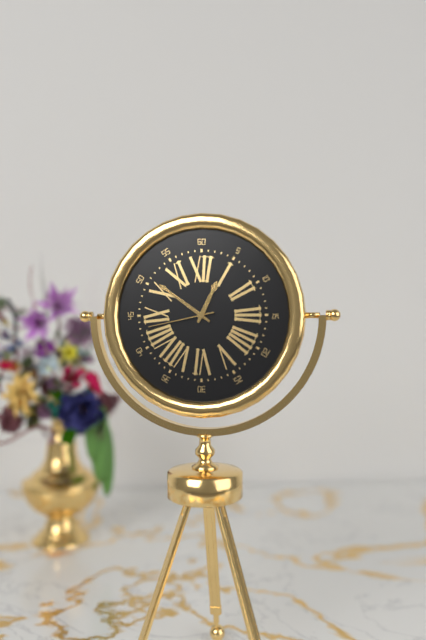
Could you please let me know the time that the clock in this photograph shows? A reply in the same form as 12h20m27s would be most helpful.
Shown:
12h51m43s
